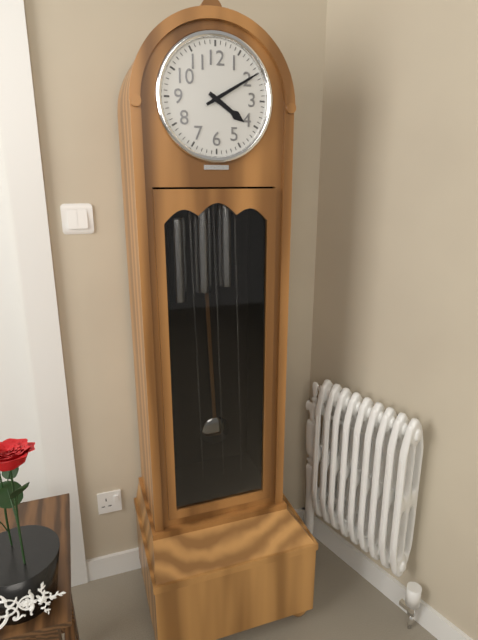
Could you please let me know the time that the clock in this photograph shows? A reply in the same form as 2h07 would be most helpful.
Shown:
4h10
